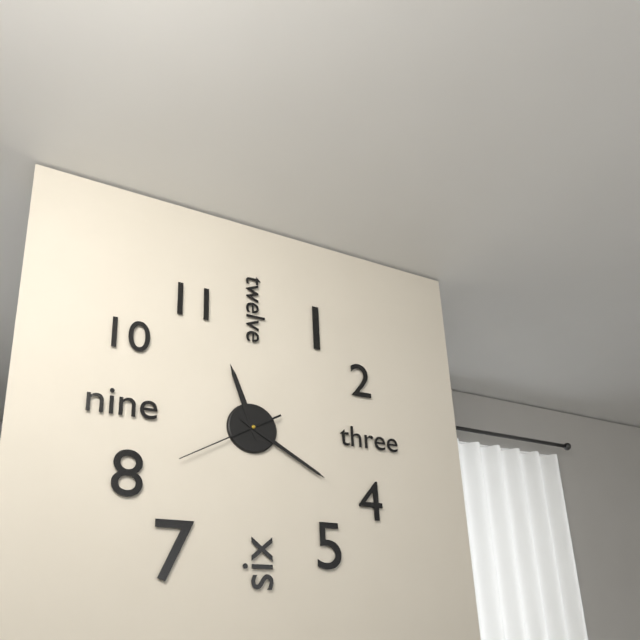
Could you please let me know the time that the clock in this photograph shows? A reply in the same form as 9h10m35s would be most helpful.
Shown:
11h20m40s
